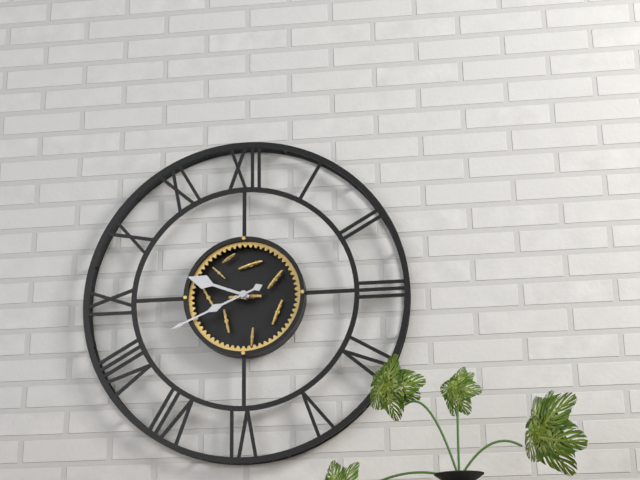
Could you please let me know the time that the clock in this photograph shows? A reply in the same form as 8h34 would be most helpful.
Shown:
9h41
